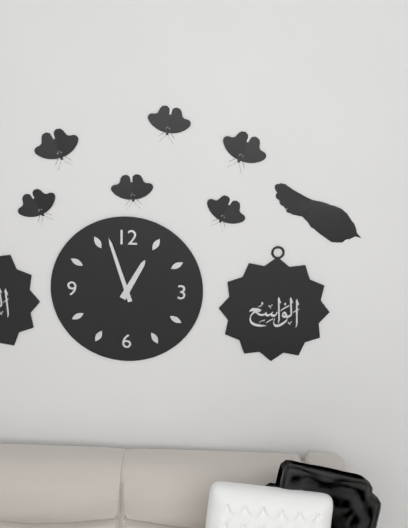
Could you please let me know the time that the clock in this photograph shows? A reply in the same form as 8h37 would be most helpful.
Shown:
12h57
